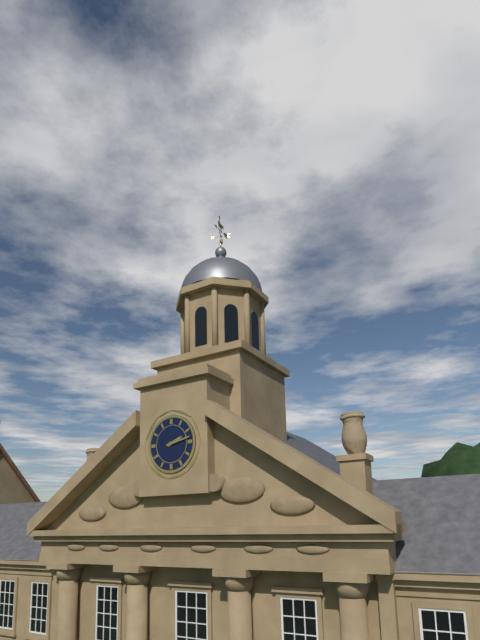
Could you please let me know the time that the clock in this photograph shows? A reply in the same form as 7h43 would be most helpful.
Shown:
2h13
